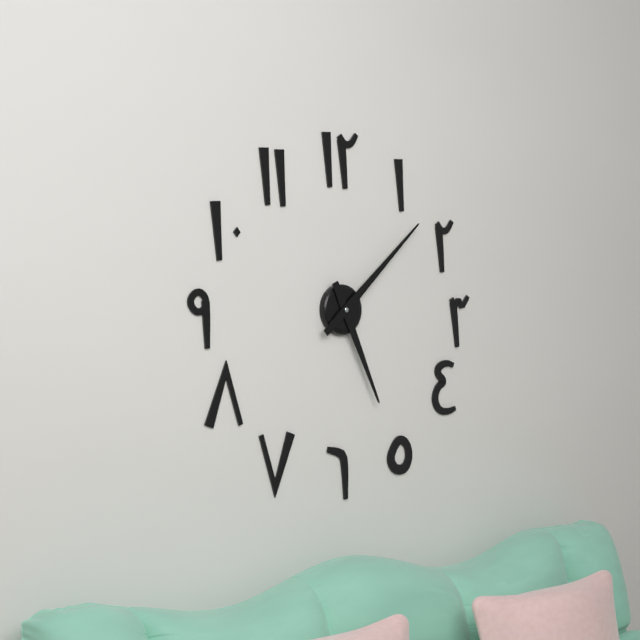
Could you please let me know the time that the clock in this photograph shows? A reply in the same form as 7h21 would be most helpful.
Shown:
5h08
